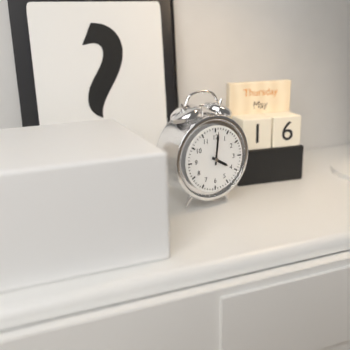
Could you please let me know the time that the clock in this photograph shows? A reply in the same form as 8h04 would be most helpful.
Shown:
4h01
